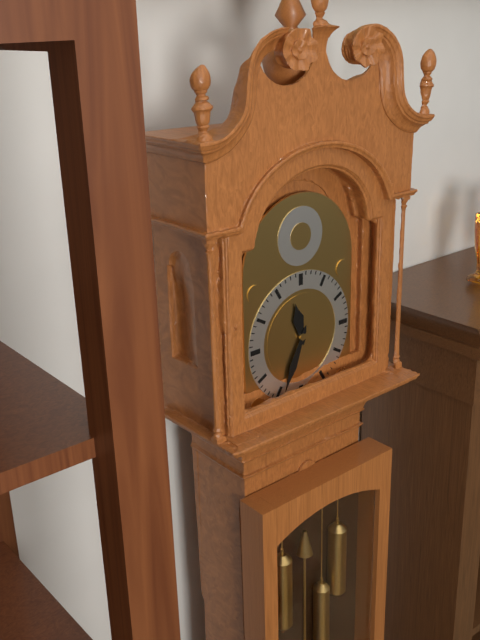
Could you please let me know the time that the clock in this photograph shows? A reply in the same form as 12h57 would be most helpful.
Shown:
11h34
